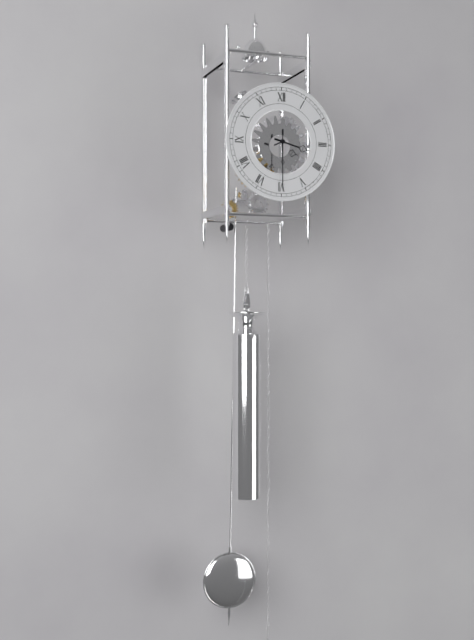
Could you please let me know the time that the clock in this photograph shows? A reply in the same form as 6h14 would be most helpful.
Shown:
3h30
